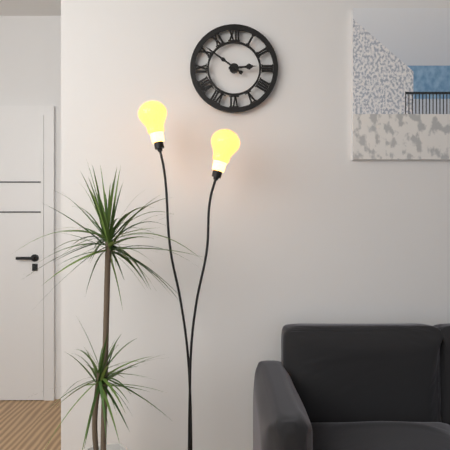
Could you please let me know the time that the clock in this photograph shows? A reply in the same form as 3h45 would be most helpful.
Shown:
2h51
